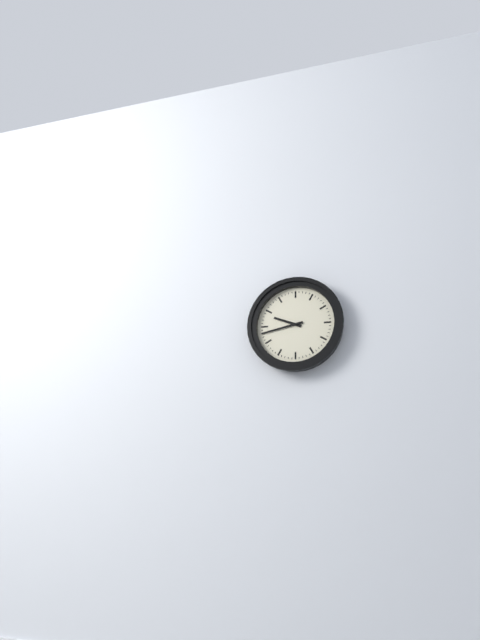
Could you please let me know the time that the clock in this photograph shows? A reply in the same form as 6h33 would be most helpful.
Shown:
9h43
